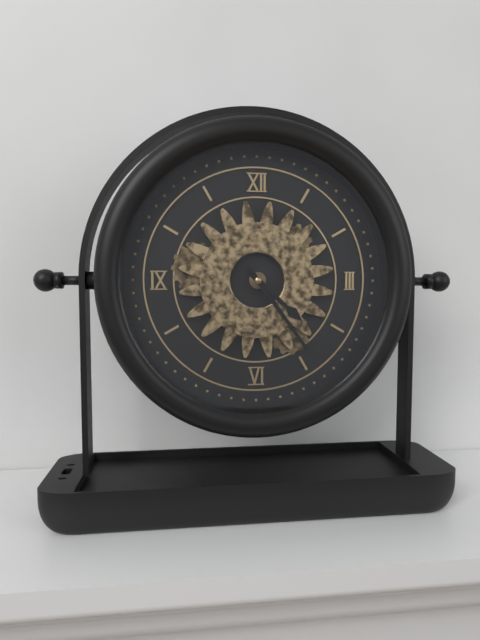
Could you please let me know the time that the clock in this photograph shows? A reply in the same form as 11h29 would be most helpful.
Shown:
4h24
